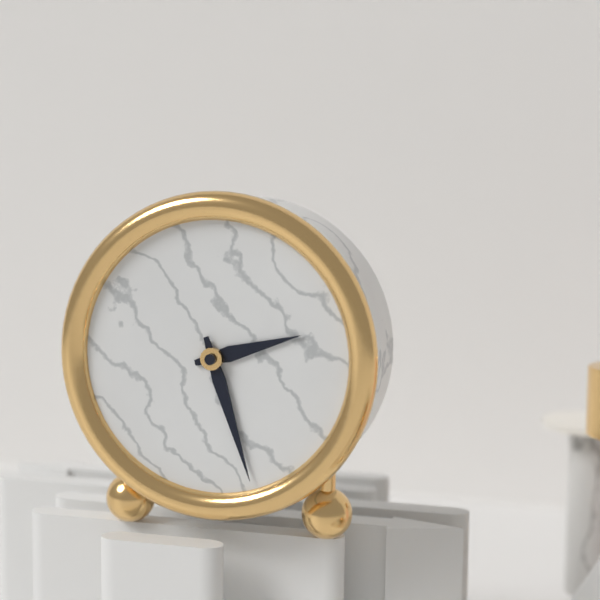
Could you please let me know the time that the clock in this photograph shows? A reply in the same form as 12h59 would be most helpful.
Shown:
2h27
